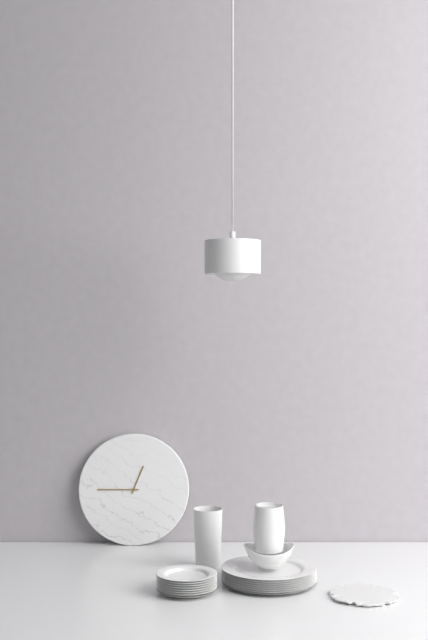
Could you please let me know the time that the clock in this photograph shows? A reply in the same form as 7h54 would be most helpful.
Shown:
12h45
